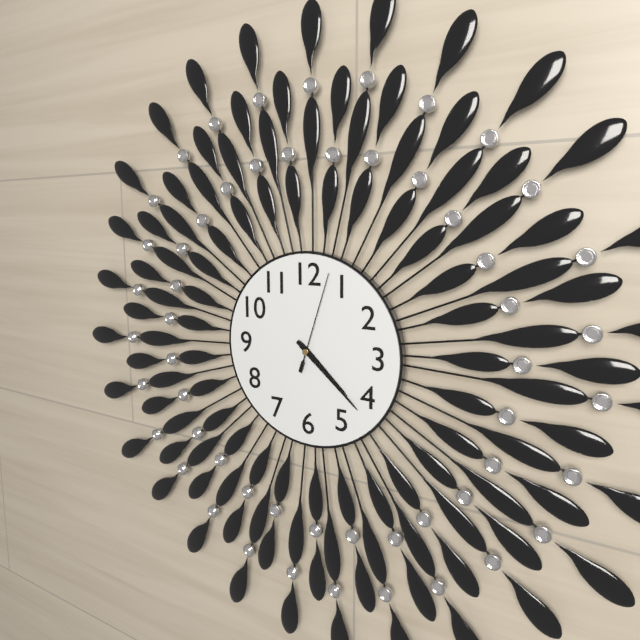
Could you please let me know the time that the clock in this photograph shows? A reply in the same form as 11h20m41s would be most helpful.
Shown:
4h22m03s
